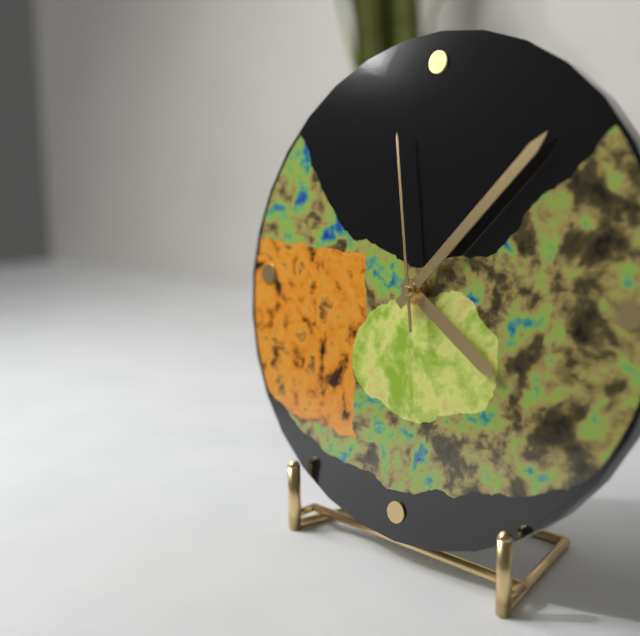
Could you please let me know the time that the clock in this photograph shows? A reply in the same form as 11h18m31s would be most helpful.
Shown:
4h07m58s
